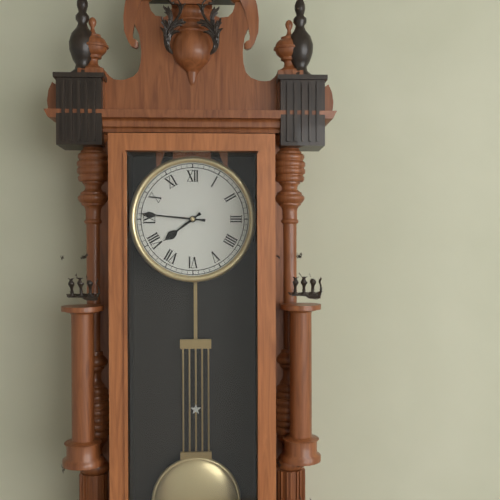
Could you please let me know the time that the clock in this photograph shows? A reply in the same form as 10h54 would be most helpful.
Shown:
7h46
